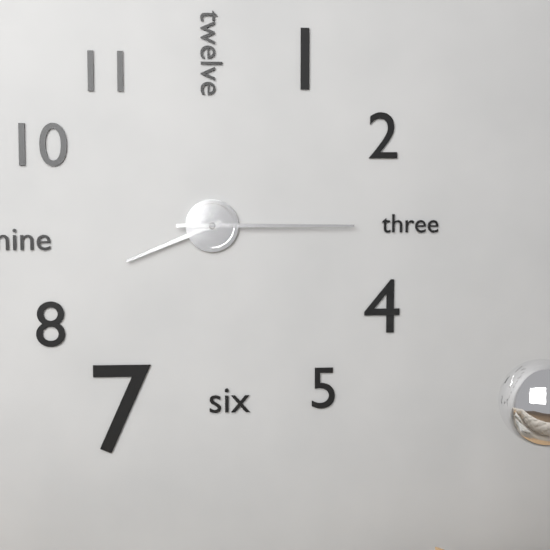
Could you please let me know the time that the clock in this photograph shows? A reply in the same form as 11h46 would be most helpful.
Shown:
8h15
